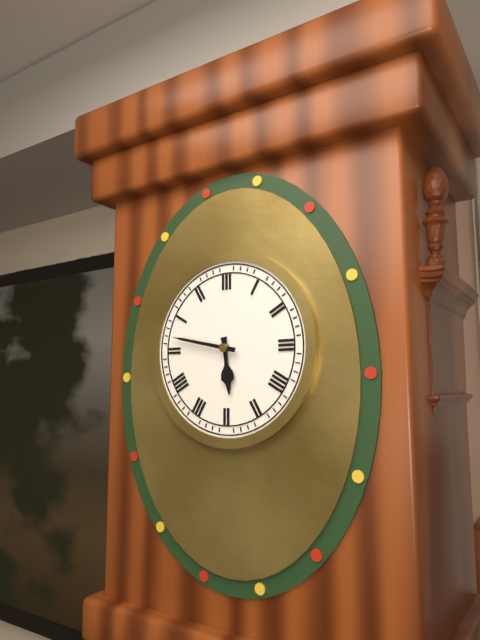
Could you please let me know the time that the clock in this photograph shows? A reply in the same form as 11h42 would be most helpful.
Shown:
5h47
